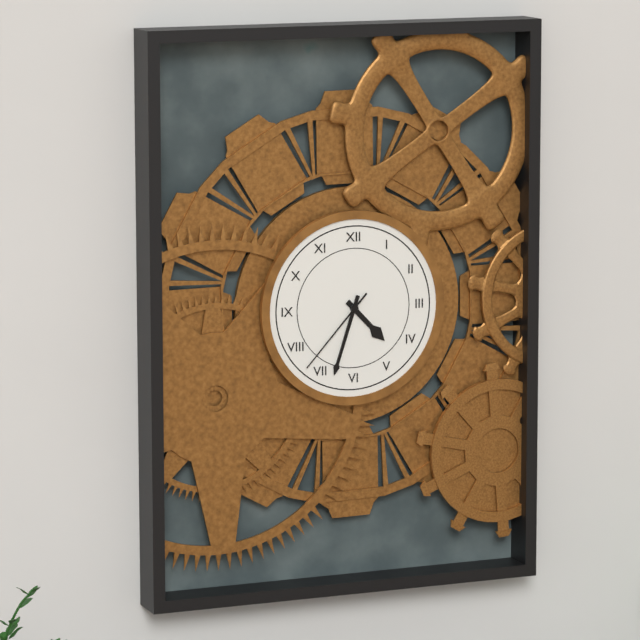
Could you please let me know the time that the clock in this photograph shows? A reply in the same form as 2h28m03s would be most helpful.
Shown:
4h33m37s
